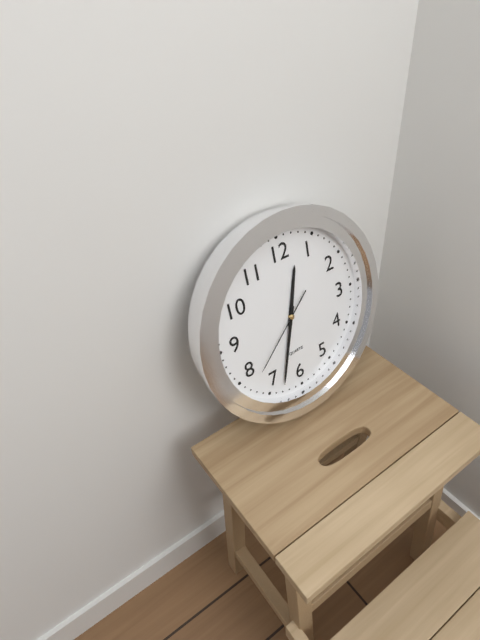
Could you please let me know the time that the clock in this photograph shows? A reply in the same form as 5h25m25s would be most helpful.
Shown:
12h33m38s
